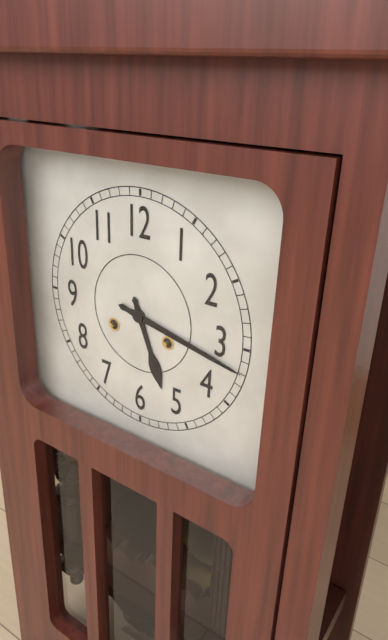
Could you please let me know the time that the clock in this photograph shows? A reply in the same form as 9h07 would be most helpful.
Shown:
5h17
